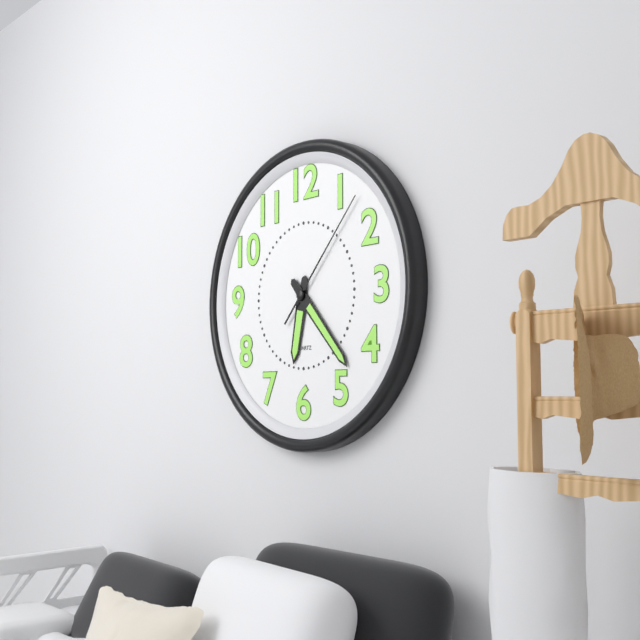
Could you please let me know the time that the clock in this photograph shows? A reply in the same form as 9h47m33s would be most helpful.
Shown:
6h23m07s
